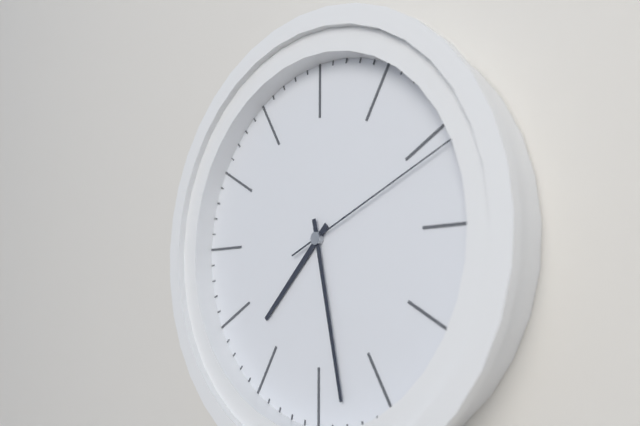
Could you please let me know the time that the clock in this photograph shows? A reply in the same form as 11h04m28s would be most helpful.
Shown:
7h28m11s
